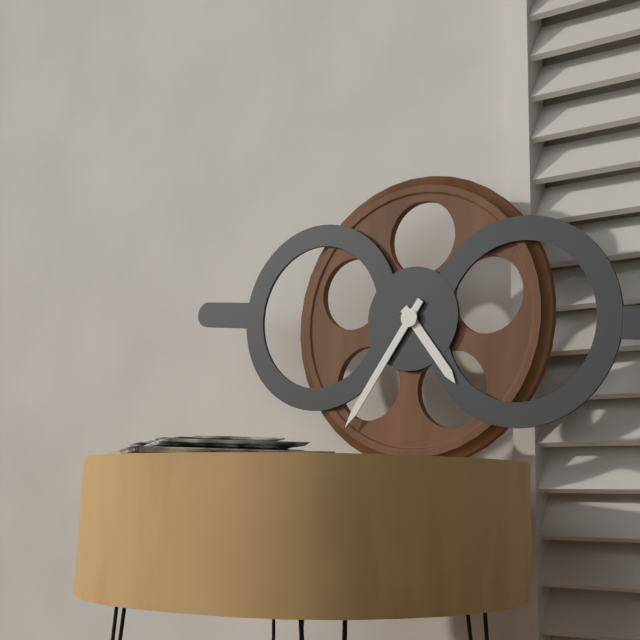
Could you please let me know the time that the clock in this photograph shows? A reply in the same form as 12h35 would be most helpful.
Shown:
4h35
